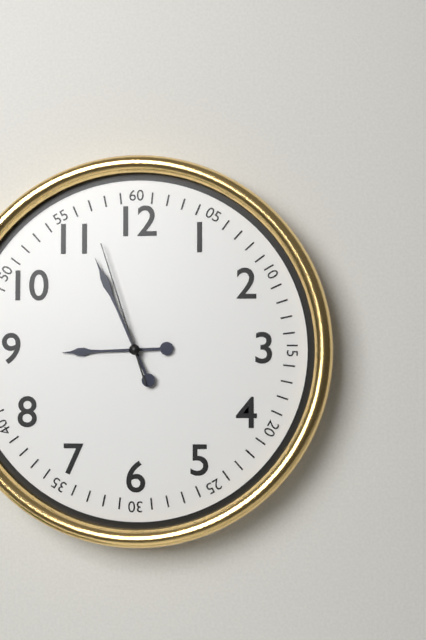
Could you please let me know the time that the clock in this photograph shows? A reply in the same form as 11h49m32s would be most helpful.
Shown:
8h56m57s
